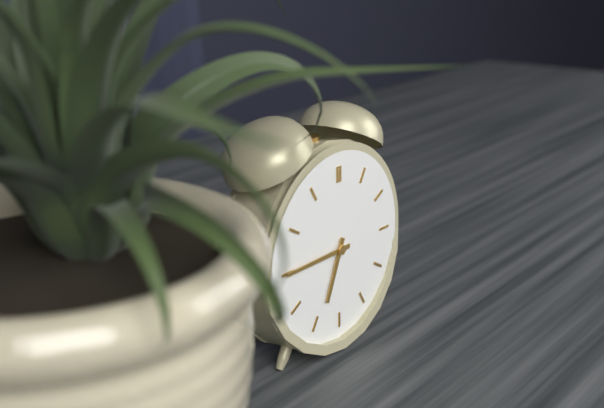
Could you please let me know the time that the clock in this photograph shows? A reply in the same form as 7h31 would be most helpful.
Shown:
6h45
